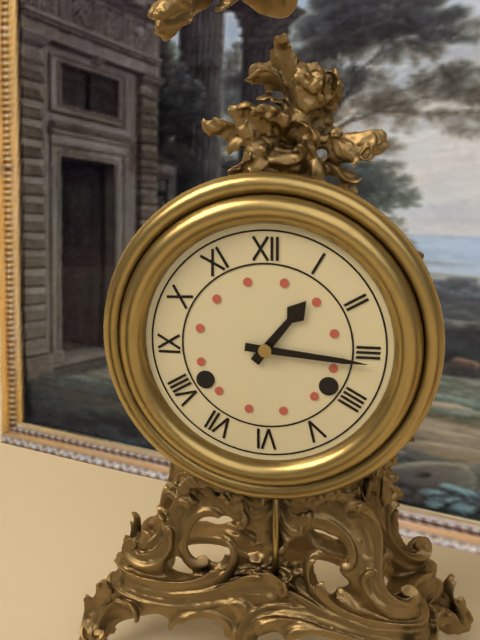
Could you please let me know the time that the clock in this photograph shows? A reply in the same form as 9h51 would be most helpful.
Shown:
1h16
